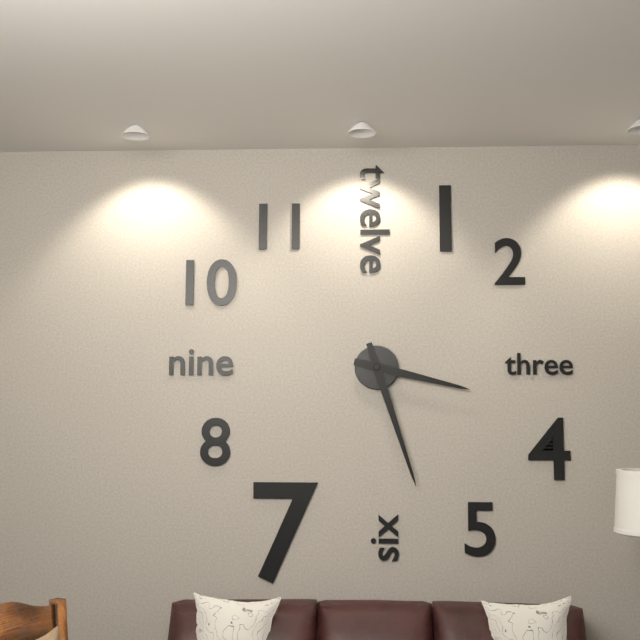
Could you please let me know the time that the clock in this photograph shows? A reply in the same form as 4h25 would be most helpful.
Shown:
3h27
